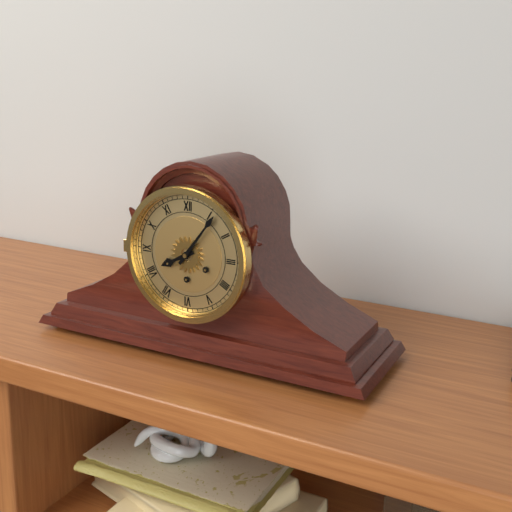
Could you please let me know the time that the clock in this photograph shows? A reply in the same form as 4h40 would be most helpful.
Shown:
8h06
